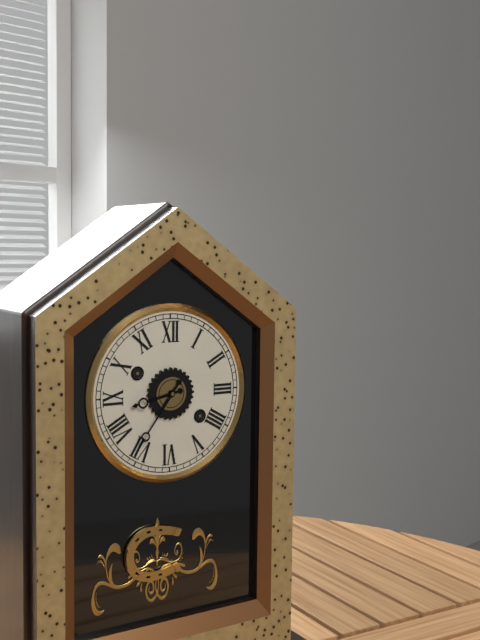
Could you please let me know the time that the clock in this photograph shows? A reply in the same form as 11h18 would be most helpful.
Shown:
8h36
